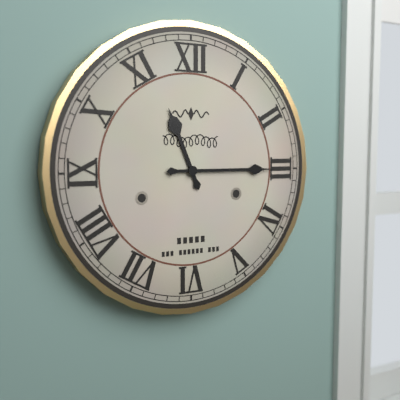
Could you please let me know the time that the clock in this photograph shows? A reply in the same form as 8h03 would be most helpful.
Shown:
11h15
